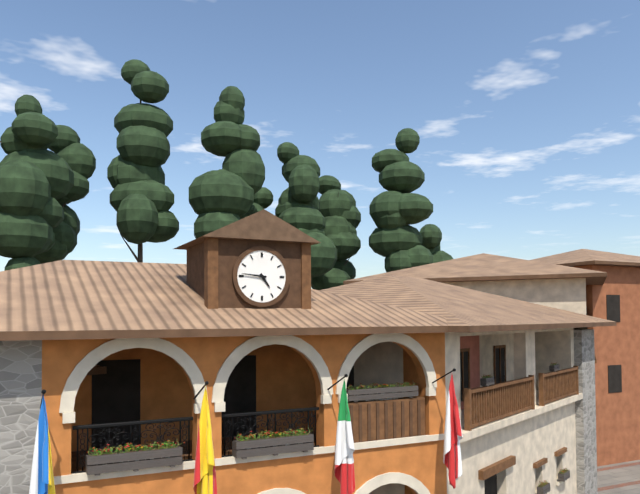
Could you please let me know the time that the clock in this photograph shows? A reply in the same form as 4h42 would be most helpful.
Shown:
4h46
